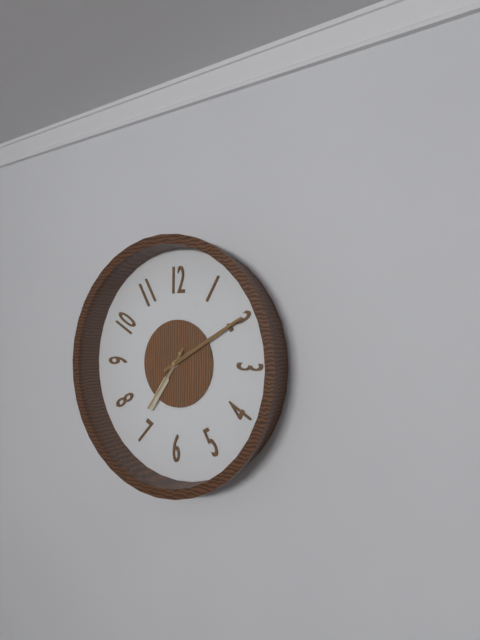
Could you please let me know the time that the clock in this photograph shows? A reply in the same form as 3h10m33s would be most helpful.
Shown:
7h10m36s
